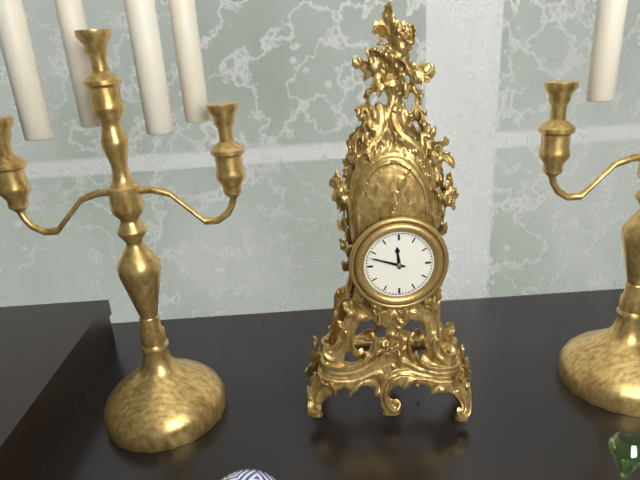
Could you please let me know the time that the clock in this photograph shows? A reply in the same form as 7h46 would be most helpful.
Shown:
11h48
